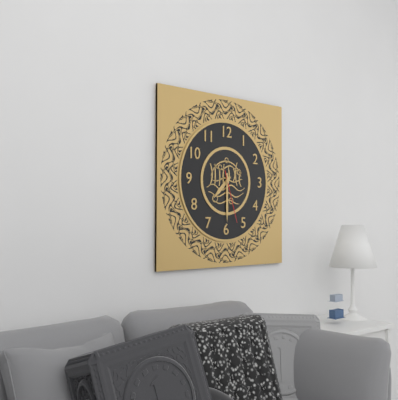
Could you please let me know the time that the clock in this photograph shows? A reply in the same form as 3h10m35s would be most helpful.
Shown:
7h30m27s
